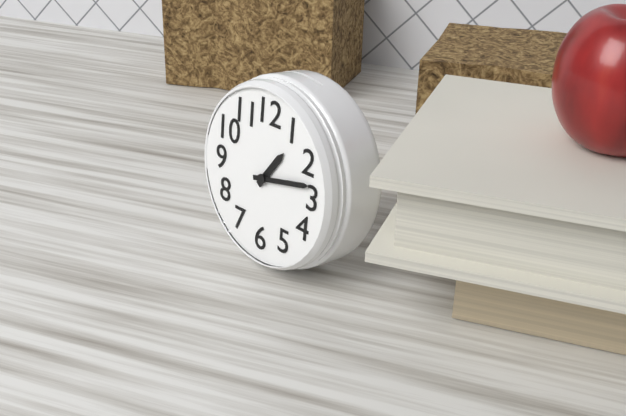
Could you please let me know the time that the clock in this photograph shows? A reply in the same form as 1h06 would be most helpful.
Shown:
1h13
